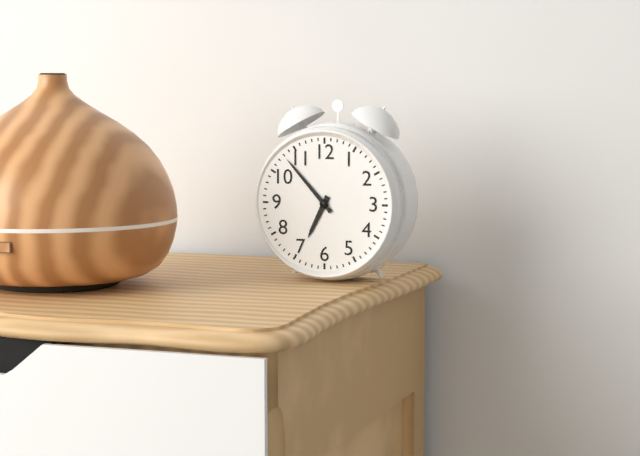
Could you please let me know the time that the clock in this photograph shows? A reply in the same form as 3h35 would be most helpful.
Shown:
6h53
